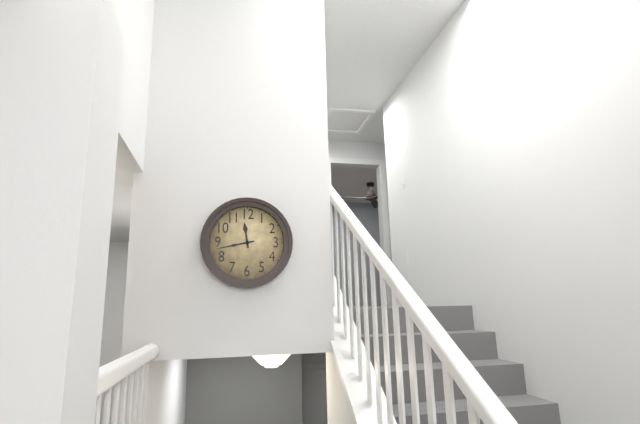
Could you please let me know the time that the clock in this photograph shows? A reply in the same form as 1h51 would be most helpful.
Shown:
11h43
